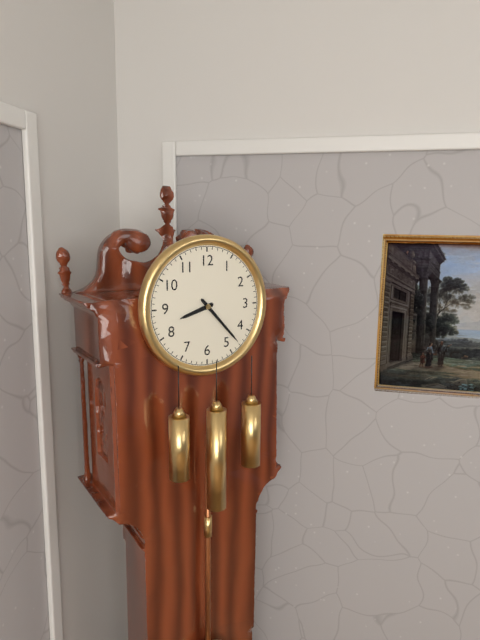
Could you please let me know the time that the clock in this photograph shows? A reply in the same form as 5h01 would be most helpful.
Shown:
8h23
